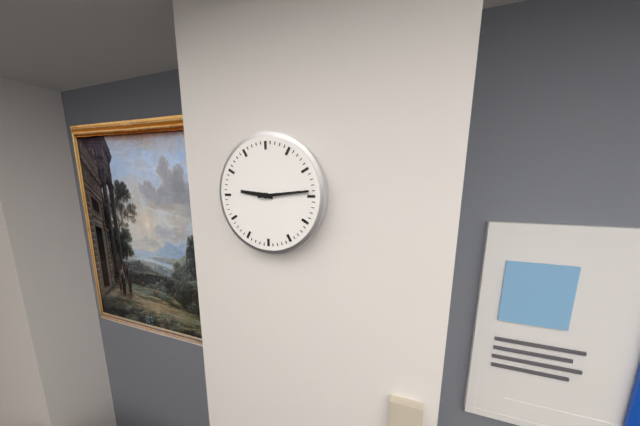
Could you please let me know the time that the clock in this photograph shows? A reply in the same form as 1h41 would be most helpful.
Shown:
9h14
